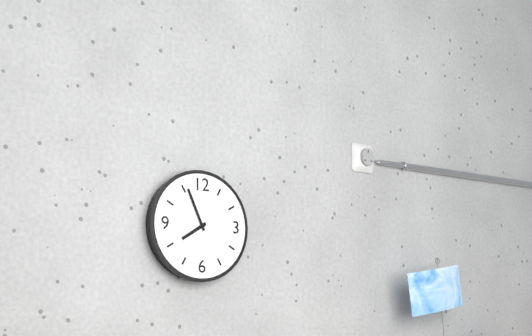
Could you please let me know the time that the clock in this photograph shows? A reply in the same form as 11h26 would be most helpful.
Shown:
7h56
